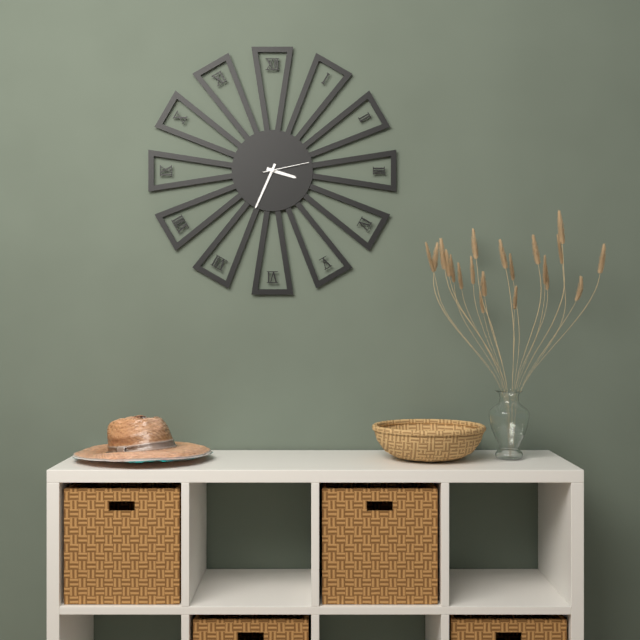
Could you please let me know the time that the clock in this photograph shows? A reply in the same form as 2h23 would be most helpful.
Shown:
3h34
